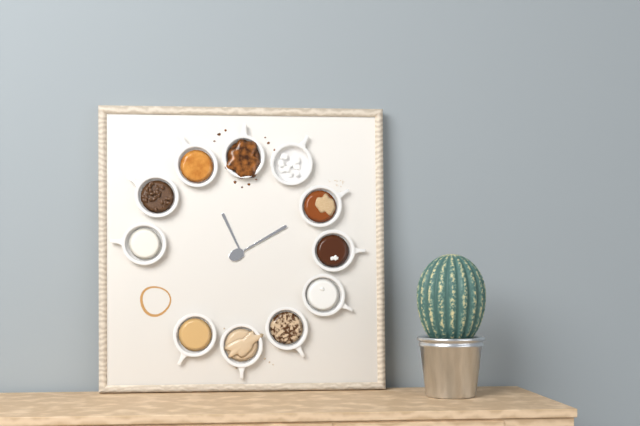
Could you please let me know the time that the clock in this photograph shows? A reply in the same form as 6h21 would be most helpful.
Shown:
11h10
